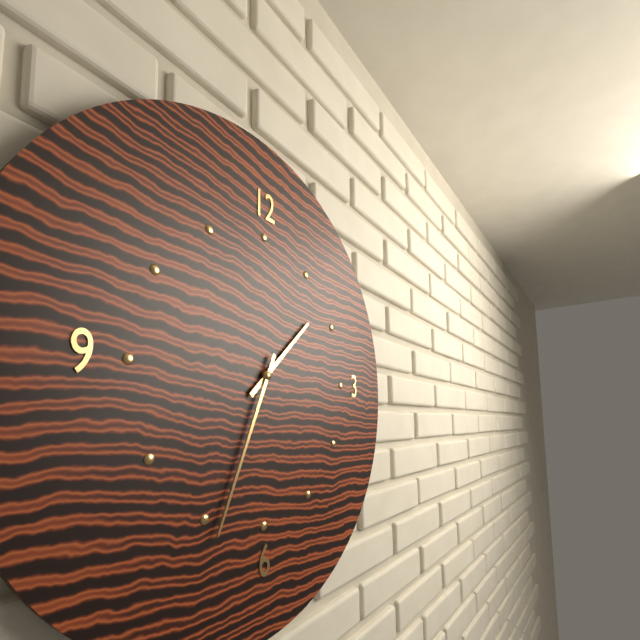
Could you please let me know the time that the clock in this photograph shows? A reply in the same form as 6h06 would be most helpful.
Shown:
1h34
